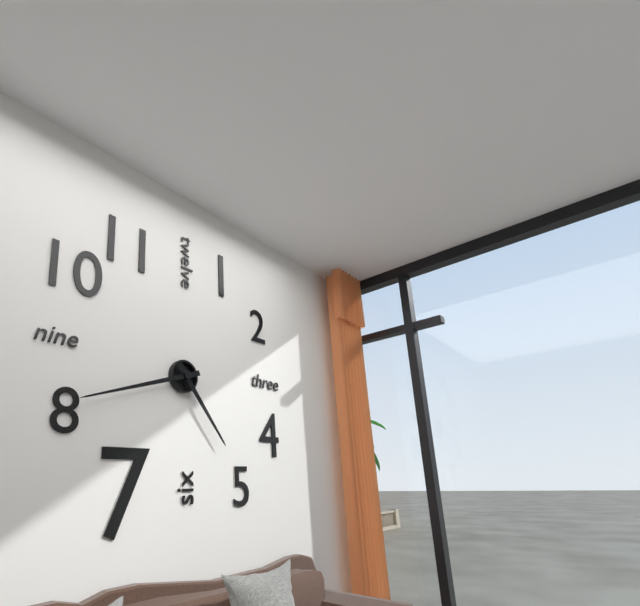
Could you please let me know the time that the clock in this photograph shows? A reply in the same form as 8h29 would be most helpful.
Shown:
4h42
